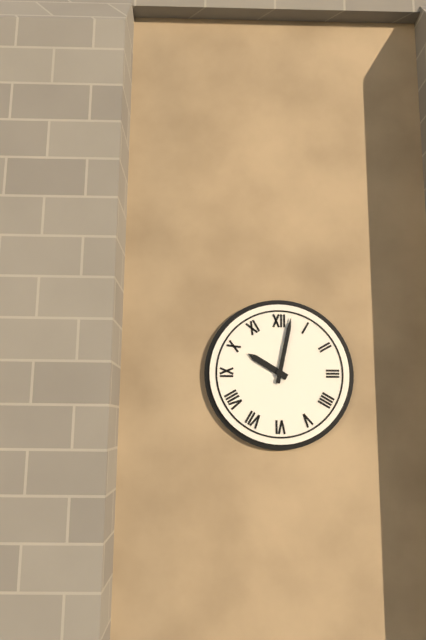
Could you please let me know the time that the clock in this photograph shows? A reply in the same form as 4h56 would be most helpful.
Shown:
10h02
